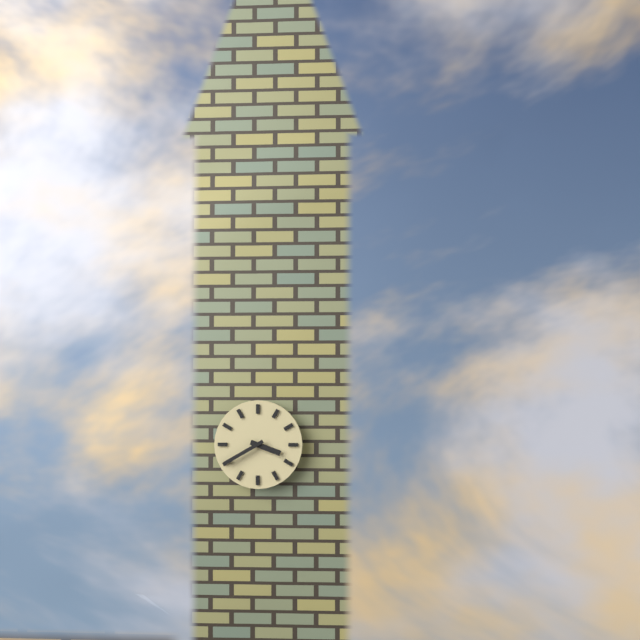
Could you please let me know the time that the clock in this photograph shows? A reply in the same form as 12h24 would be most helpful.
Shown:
3h40
